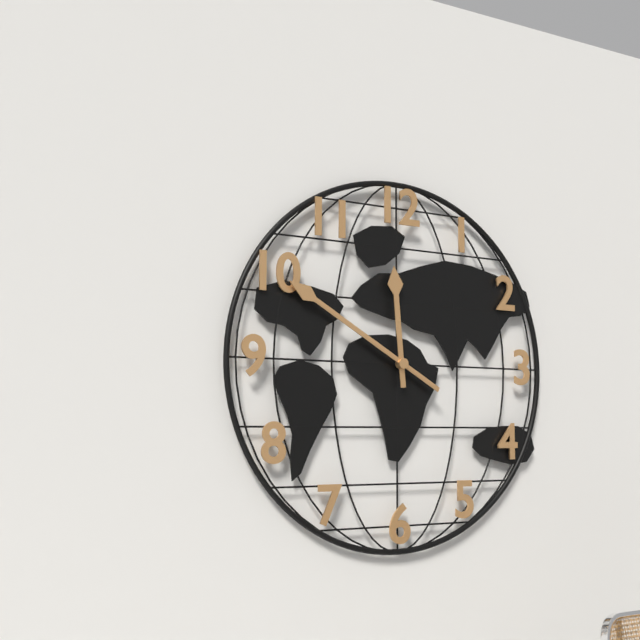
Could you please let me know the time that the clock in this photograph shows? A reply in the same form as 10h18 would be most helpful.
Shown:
11h50
